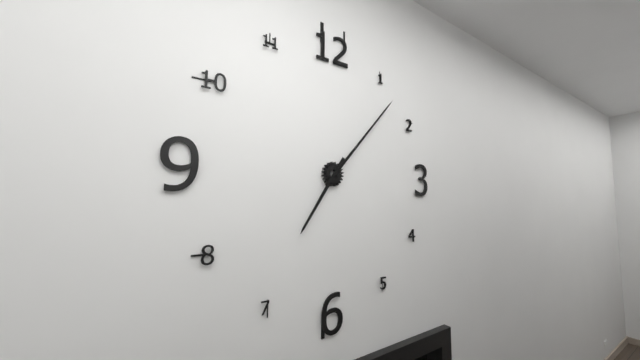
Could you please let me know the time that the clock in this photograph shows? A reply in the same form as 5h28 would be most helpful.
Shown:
7h07
